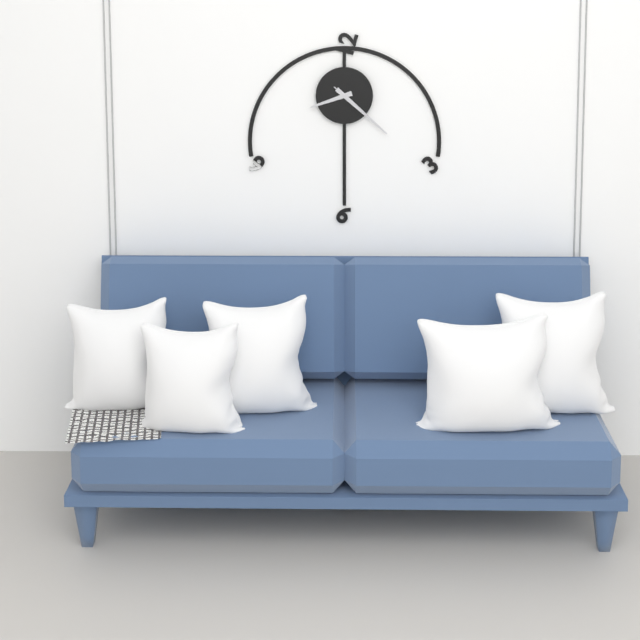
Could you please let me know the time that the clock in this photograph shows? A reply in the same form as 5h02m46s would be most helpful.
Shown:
8h22m22s
